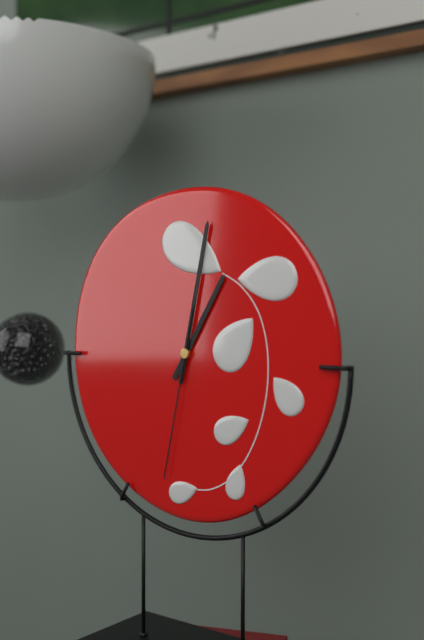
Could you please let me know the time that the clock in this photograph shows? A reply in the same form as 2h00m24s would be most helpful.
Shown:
1h02m32s
